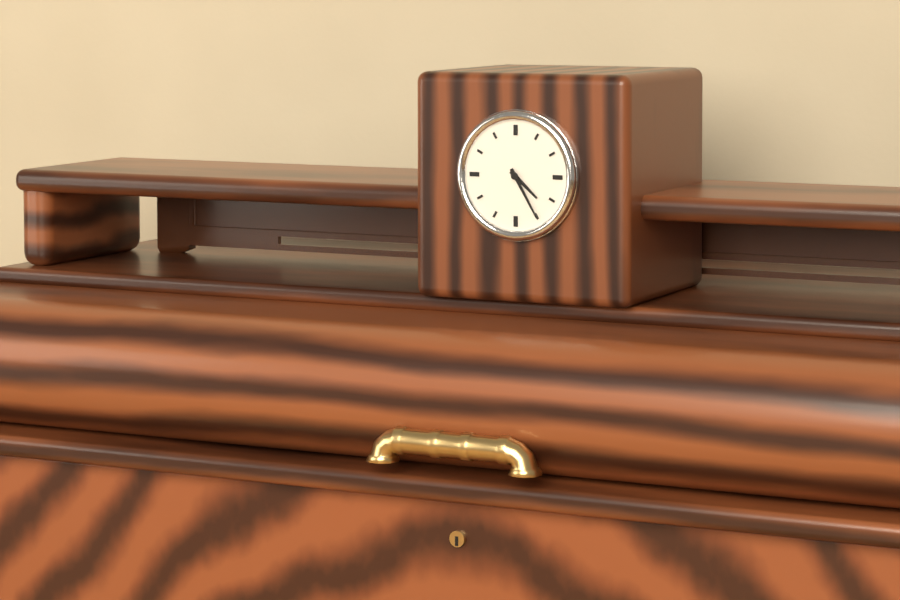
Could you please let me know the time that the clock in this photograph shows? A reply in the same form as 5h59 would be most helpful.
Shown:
4h25
